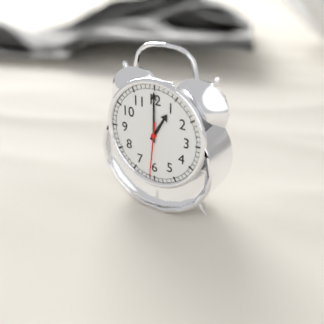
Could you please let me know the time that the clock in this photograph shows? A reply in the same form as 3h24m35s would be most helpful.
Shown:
1h00m31s
